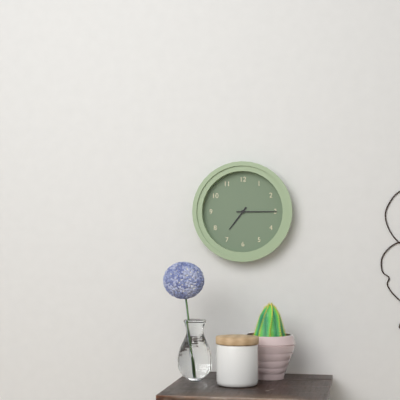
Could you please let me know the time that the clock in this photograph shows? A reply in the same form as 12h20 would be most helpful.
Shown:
7h15
